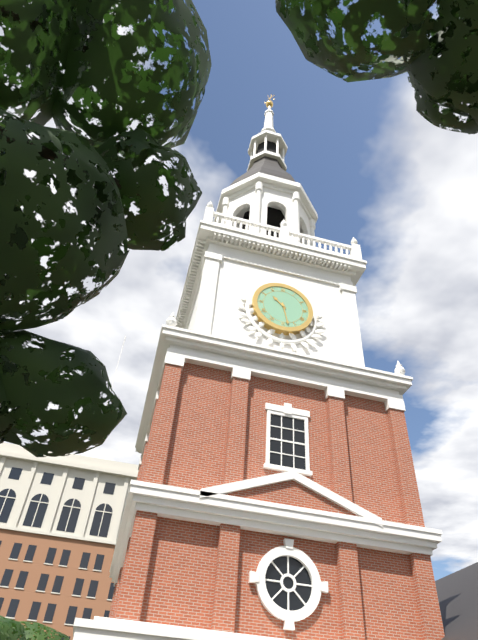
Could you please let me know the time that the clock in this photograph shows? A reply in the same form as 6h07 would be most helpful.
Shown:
10h28
